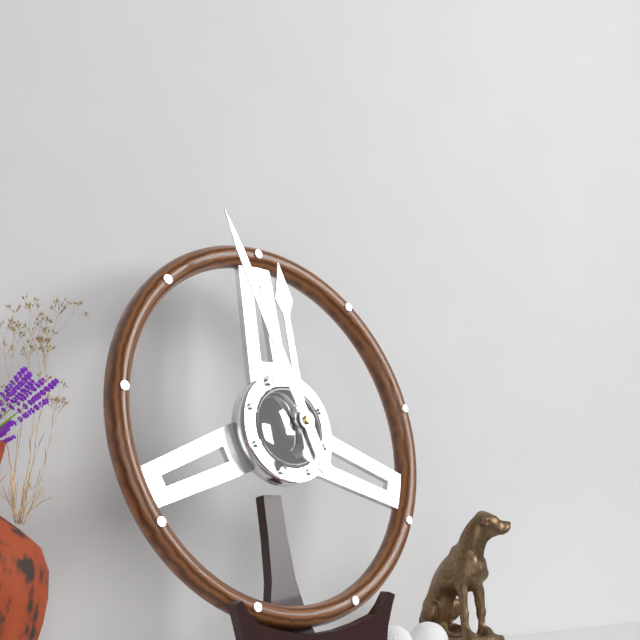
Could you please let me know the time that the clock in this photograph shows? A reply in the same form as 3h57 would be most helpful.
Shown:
11h57
